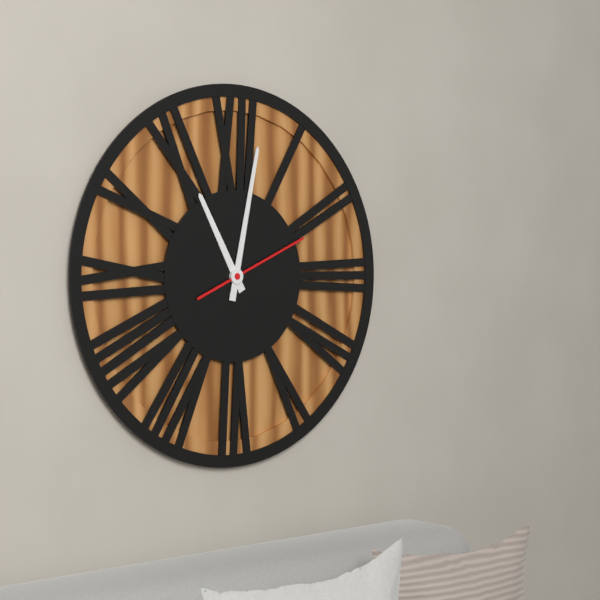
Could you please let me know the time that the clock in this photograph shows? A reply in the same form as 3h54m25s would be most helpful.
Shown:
11h02m11s
